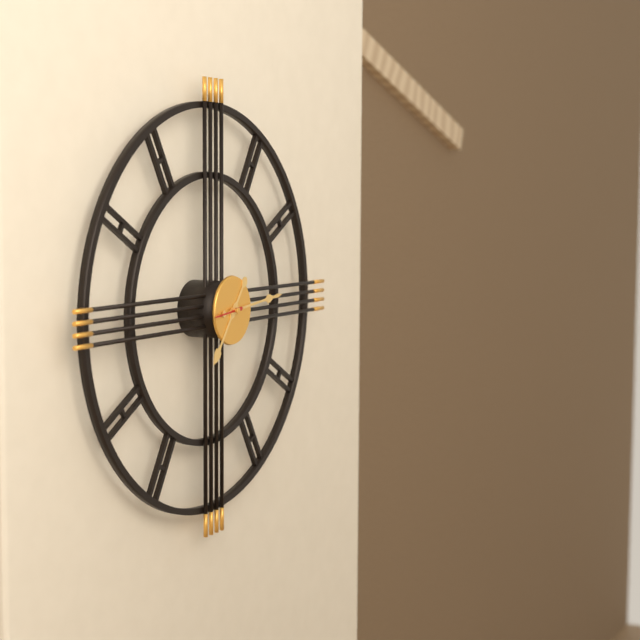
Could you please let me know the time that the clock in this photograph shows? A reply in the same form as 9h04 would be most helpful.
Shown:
7h14
